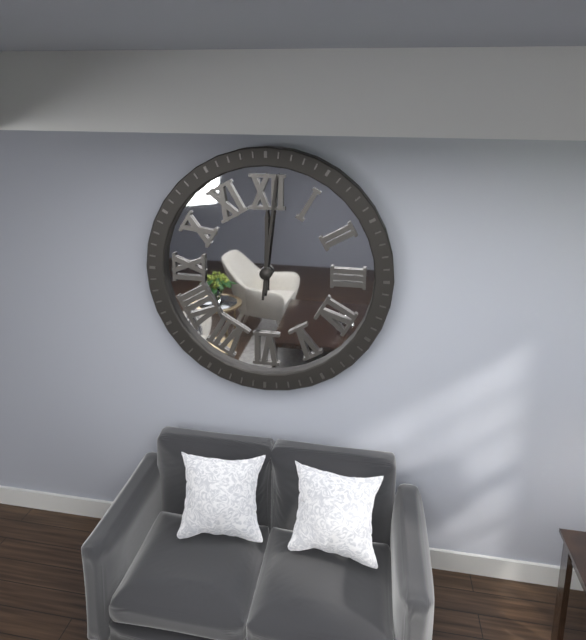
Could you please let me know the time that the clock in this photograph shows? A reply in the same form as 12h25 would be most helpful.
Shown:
12h01
